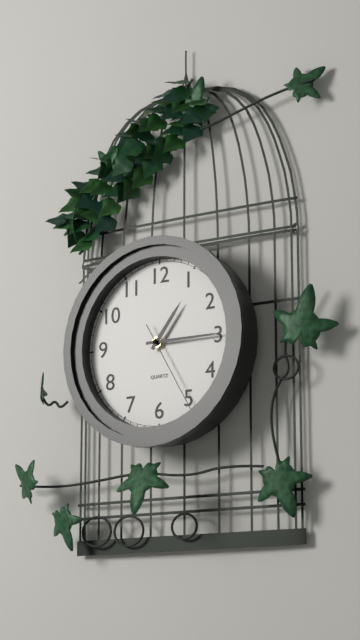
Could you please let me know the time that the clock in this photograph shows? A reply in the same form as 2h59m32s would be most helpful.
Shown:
1h15m25s
